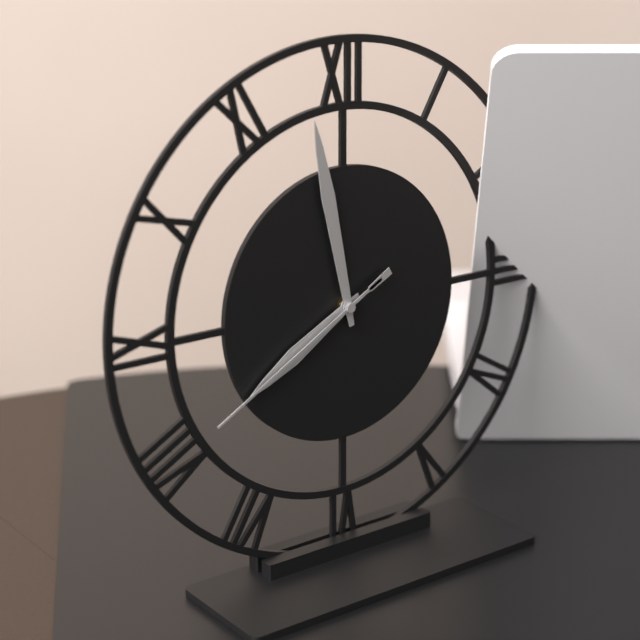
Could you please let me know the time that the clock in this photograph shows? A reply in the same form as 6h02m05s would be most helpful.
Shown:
7h58m40s
